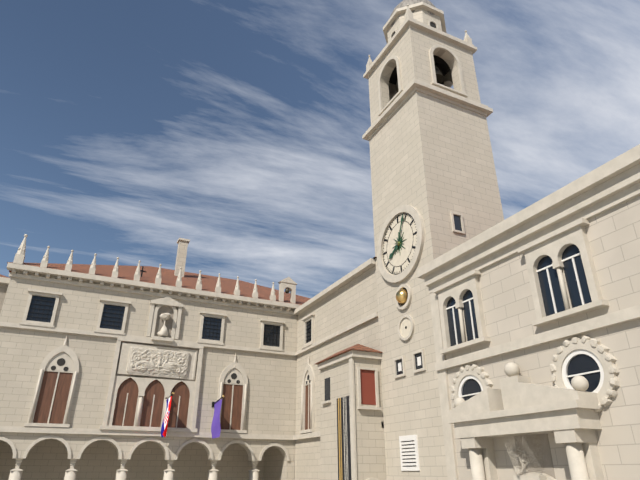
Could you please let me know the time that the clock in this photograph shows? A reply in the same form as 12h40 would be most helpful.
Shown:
8h04
